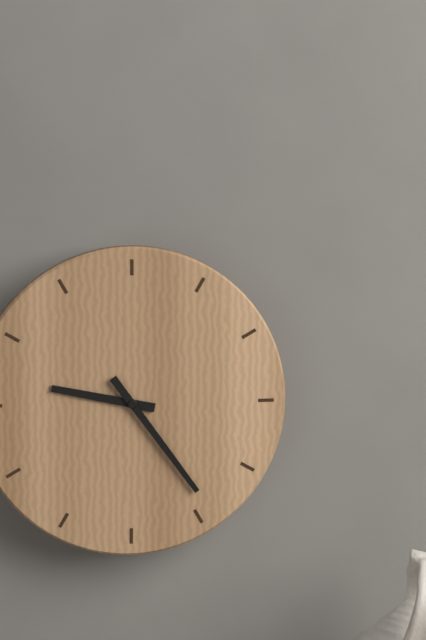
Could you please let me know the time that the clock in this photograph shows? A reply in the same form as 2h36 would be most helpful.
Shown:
9h24
